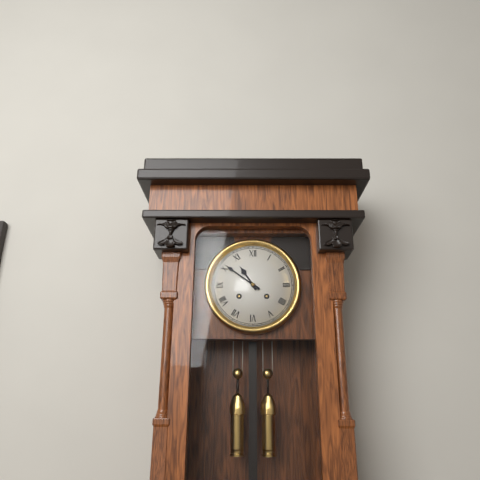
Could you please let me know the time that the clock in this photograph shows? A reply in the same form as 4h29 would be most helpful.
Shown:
10h51
